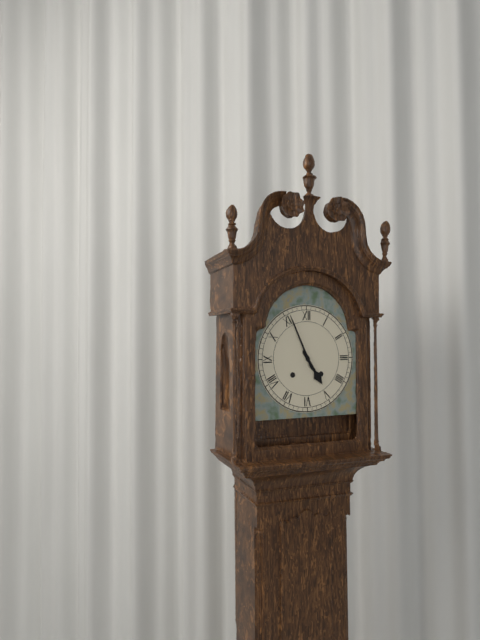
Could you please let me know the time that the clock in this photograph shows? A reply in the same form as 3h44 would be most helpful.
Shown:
4h56
